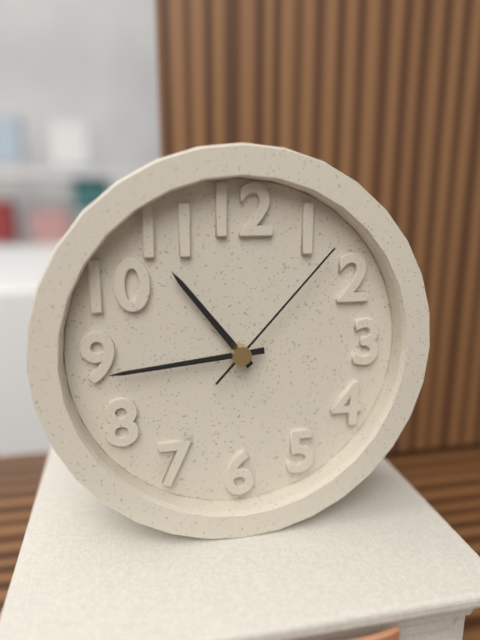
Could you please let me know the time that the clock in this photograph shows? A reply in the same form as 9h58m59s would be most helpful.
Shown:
10h44m07s
